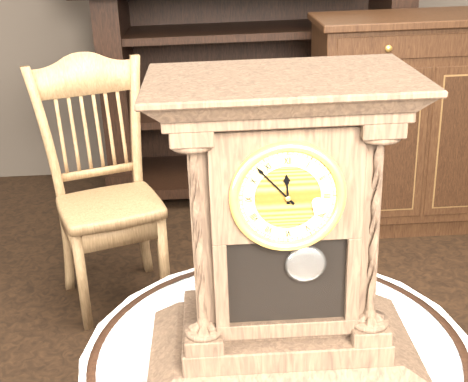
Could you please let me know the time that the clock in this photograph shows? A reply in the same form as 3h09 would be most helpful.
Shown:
11h53
